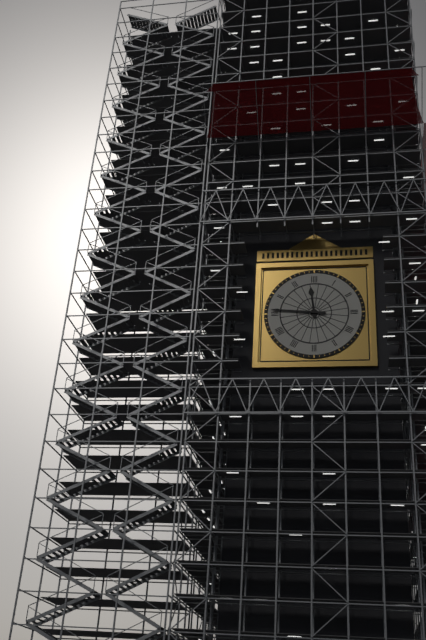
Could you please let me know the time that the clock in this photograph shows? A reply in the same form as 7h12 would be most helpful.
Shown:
11h46
